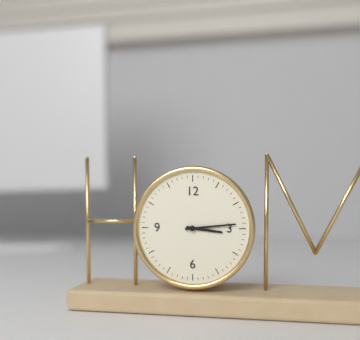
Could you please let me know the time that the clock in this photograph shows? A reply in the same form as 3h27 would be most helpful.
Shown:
3h14
